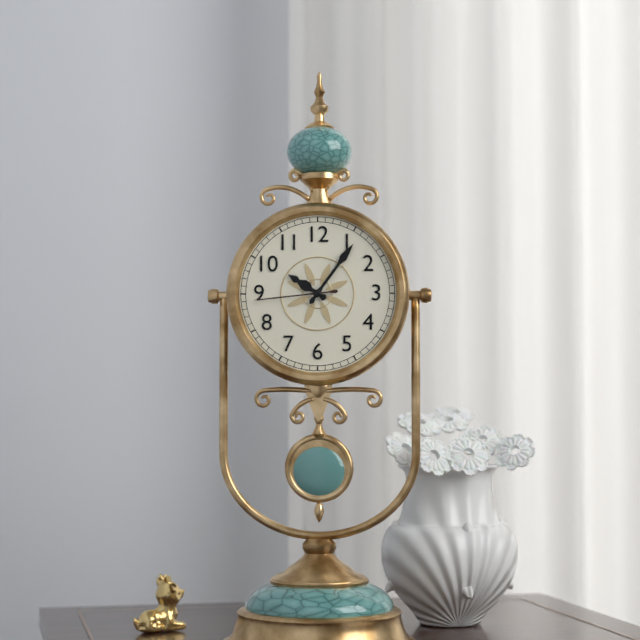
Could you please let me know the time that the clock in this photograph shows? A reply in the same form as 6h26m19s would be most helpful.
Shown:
10h06m44s
